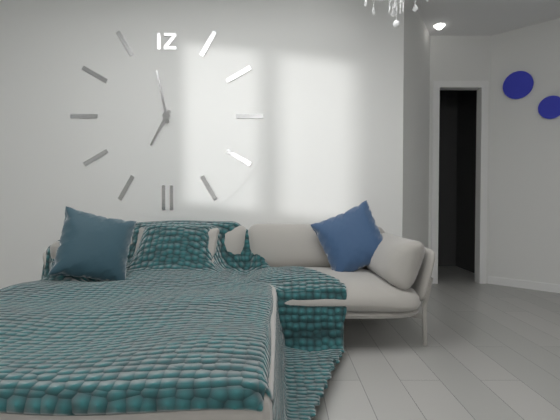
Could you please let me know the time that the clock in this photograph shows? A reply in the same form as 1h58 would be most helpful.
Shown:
6h58
